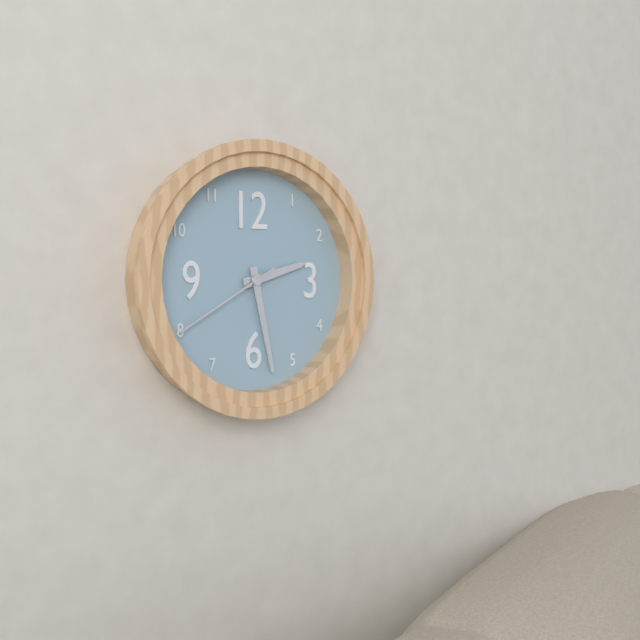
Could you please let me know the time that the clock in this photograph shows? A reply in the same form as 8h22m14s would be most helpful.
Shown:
2h28m40s
